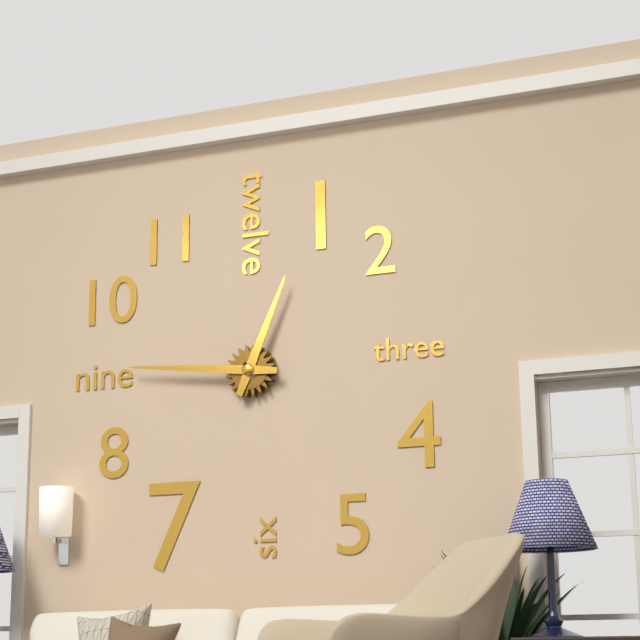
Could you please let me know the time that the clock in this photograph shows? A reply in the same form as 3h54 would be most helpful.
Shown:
12h46
